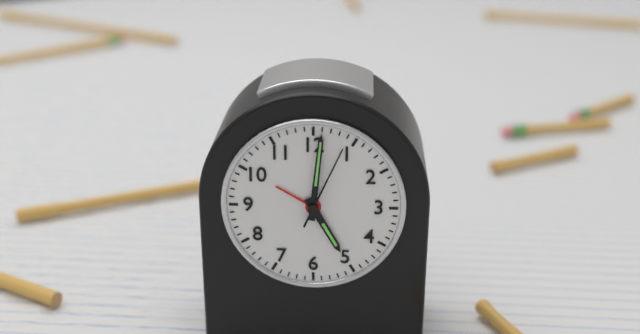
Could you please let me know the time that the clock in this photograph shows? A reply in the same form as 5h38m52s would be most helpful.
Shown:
5h01m04s
